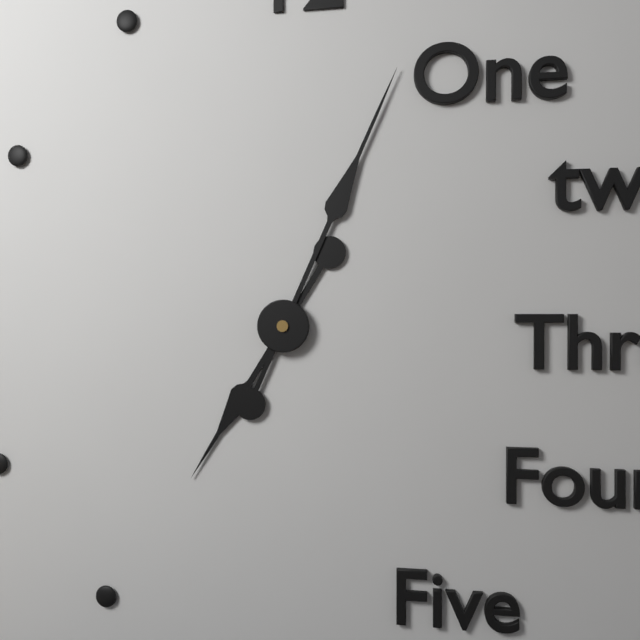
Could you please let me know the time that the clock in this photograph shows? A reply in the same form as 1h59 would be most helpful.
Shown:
7h04
